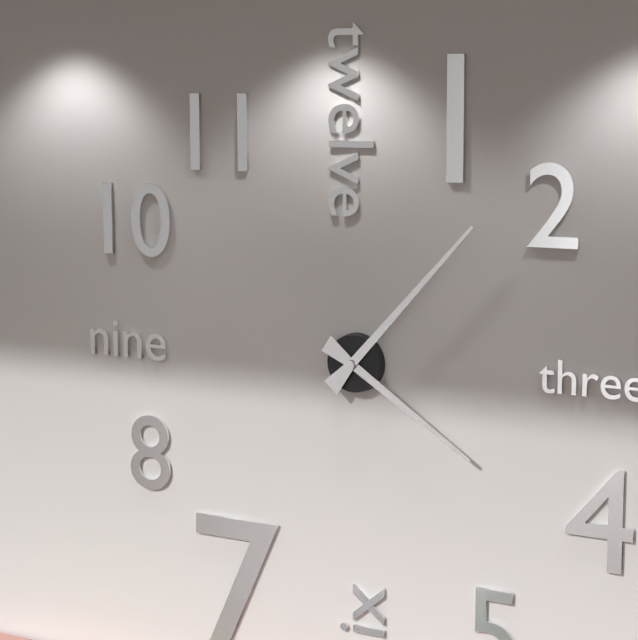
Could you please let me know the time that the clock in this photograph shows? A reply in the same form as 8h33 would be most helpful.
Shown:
4h07
